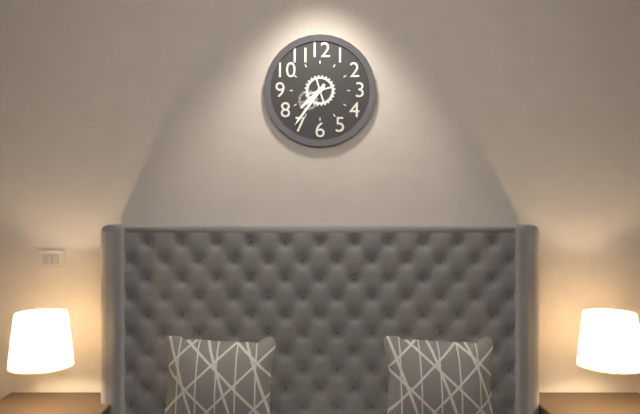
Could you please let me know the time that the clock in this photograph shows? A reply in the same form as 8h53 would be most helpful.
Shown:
7h36
